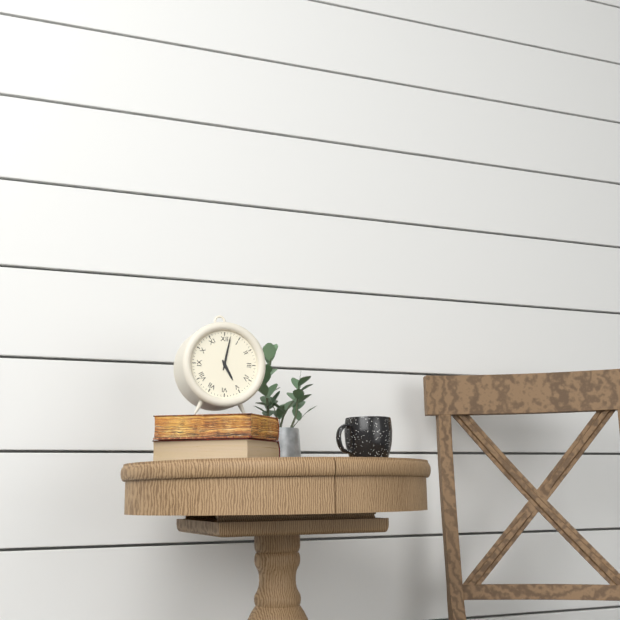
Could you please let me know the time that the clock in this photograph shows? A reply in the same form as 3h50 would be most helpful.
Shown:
5h02
